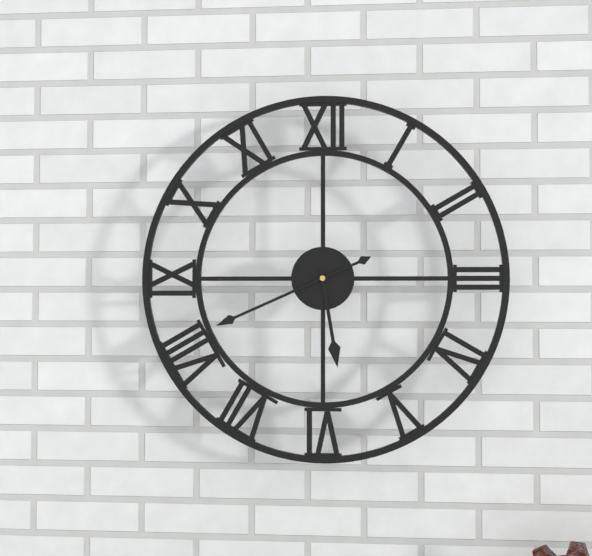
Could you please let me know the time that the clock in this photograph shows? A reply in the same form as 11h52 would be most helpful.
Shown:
5h41
